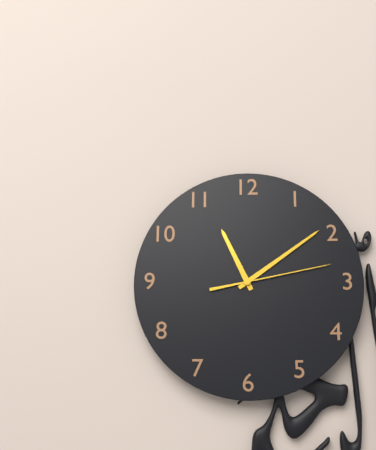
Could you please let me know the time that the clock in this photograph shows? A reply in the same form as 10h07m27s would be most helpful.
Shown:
11h09m13s
